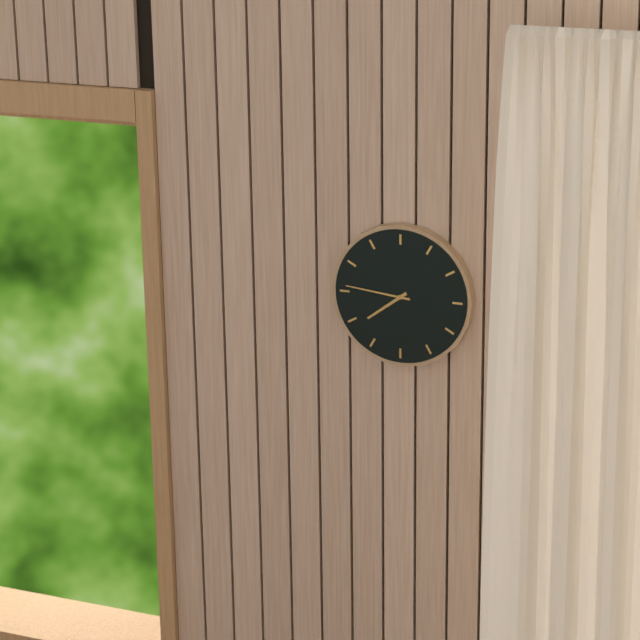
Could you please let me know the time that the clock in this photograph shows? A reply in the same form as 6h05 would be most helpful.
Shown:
7h46
